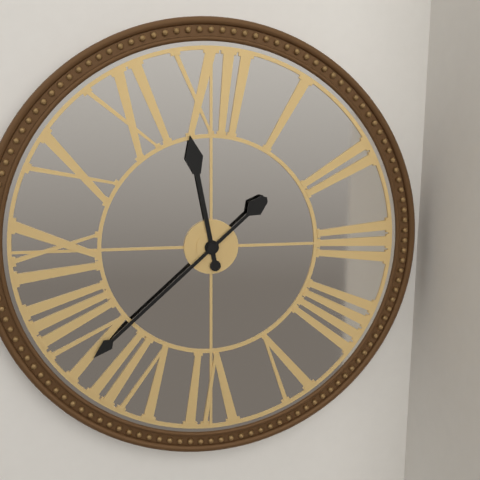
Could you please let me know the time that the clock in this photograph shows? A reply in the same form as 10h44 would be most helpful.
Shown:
11h38
